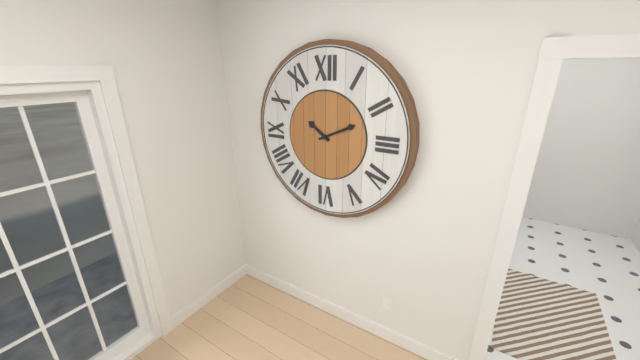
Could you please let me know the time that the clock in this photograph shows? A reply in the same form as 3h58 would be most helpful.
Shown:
10h11
